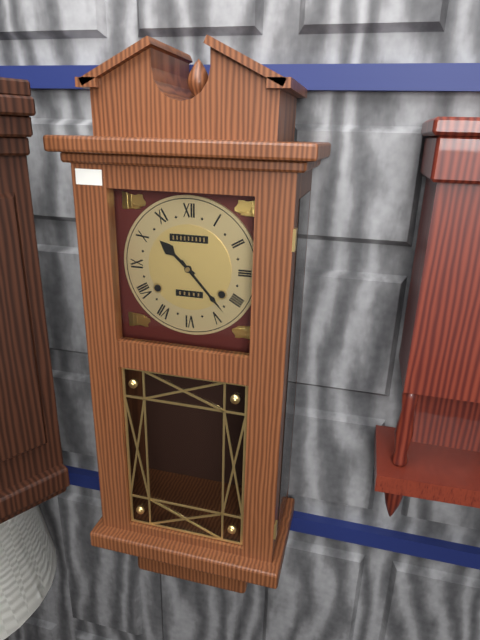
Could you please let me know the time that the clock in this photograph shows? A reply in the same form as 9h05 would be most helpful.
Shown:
10h23
